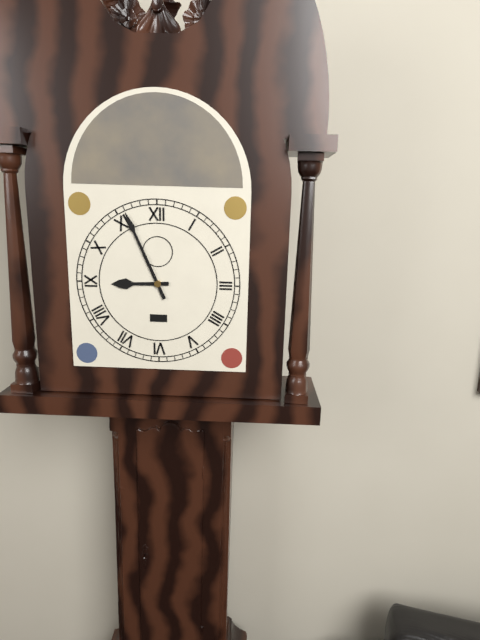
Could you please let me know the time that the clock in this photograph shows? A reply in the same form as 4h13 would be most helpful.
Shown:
8h56
